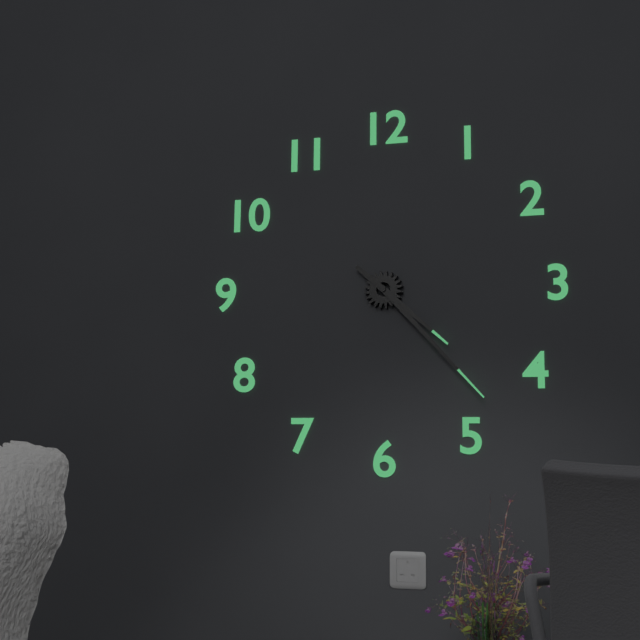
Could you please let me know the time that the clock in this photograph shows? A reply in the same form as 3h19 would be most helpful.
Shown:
4h23
